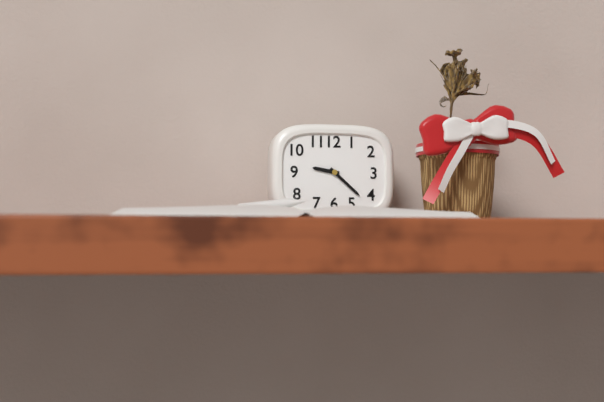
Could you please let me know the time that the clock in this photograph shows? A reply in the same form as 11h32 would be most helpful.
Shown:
9h22
